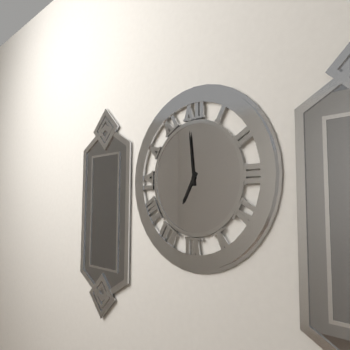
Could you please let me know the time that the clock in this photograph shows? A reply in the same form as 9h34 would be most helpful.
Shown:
6h59
